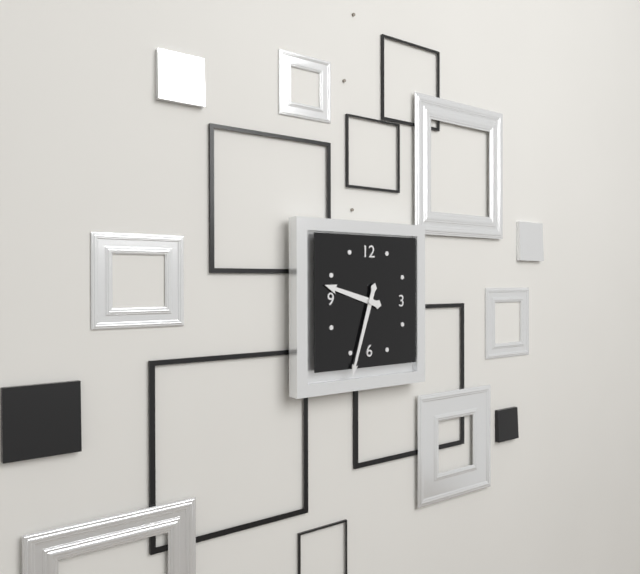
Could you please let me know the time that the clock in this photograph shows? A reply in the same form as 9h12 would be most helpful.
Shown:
9h33
